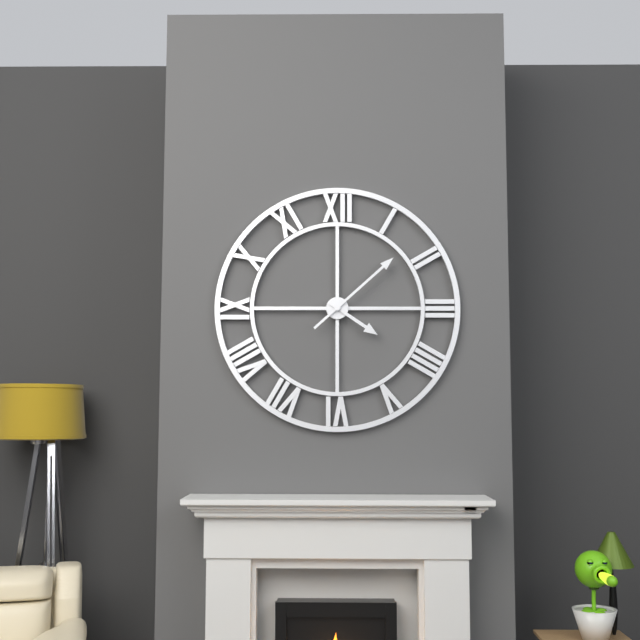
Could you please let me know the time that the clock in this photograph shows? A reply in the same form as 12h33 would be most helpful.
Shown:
4h08
